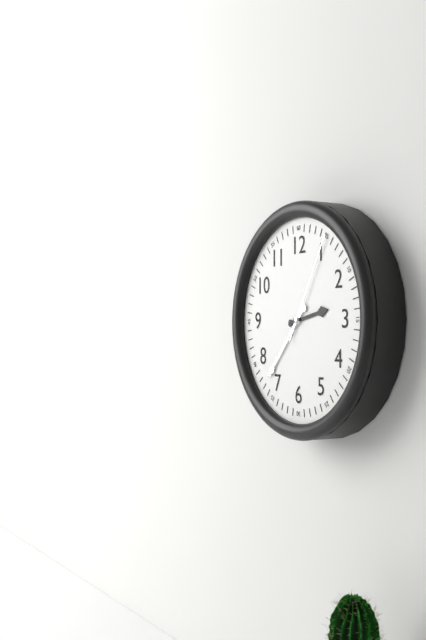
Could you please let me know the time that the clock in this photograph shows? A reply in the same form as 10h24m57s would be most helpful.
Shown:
2h37m05s
